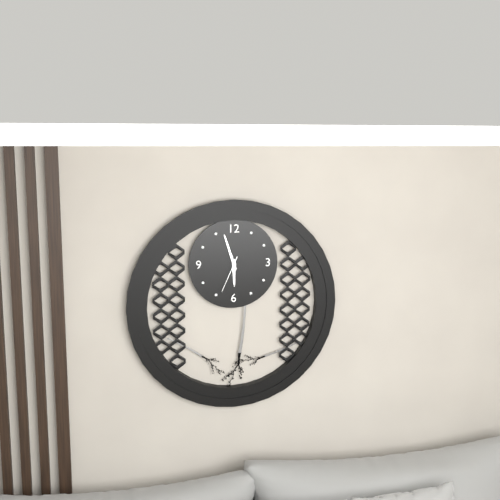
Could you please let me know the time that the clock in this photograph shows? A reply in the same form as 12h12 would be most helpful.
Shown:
5h57
